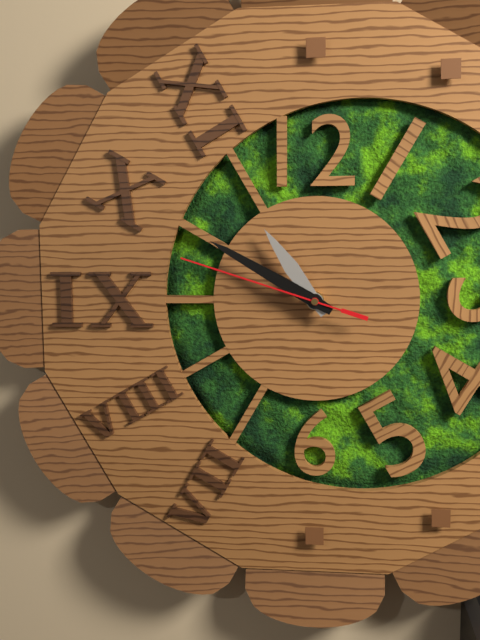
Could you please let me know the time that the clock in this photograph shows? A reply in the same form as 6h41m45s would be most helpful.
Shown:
10h50m48s
